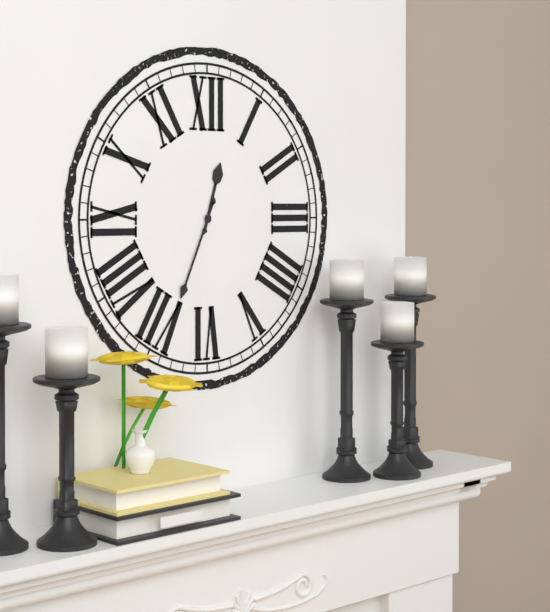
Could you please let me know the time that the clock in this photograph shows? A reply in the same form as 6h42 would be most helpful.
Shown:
12h34
